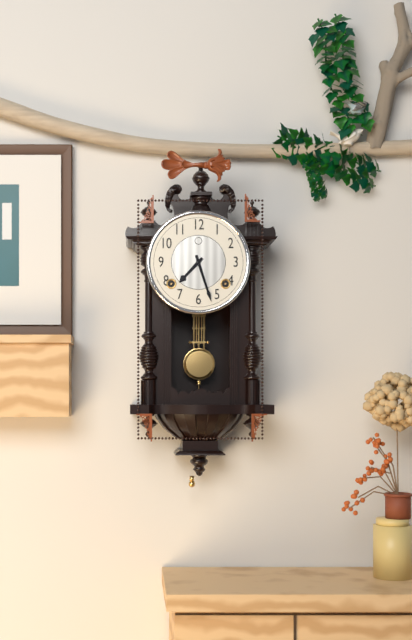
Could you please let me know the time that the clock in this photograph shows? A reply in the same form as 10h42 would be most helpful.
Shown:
7h27
